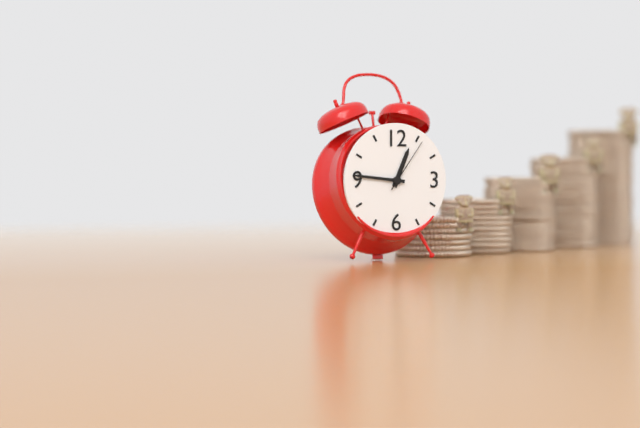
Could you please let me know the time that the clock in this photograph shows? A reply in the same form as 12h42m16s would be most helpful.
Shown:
12h46m06s
